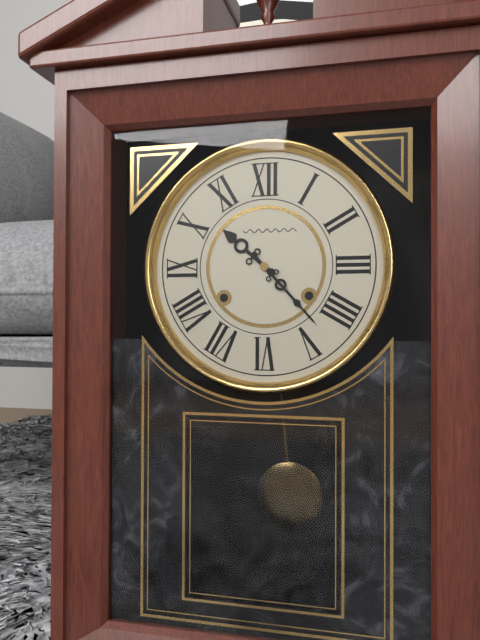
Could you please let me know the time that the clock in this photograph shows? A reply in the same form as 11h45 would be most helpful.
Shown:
10h23
